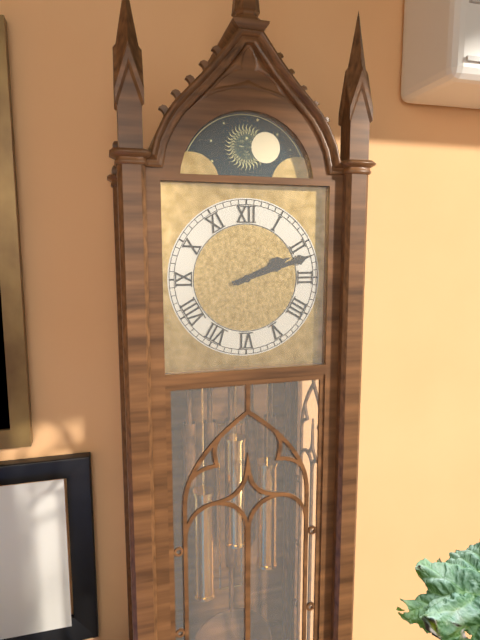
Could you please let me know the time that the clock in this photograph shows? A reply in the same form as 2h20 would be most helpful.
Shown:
2h12
